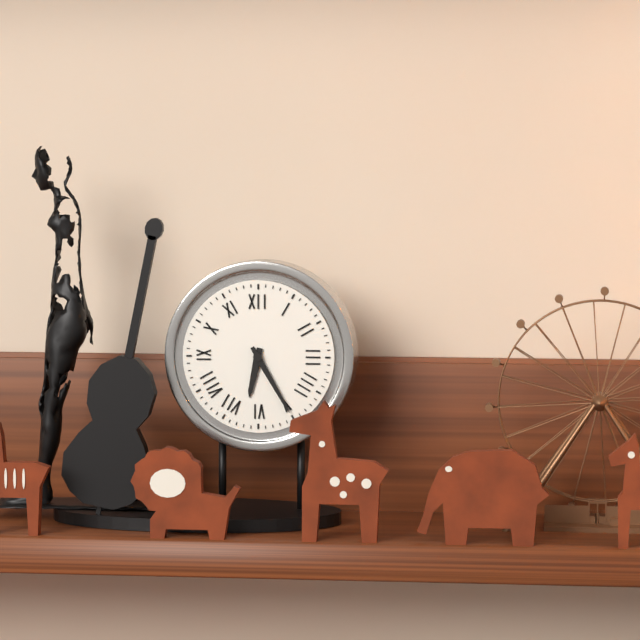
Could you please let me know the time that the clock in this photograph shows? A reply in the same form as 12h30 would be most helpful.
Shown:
6h25
